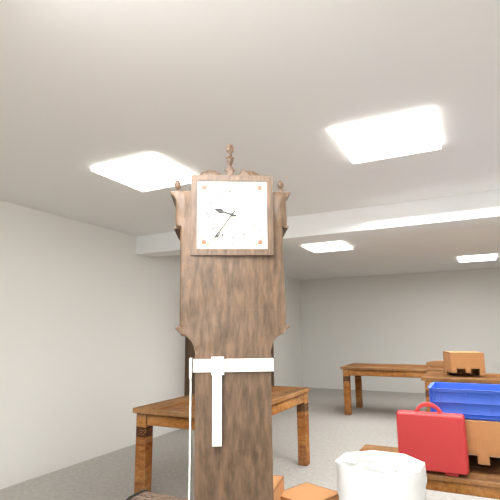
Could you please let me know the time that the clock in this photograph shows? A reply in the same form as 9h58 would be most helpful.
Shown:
9h36
